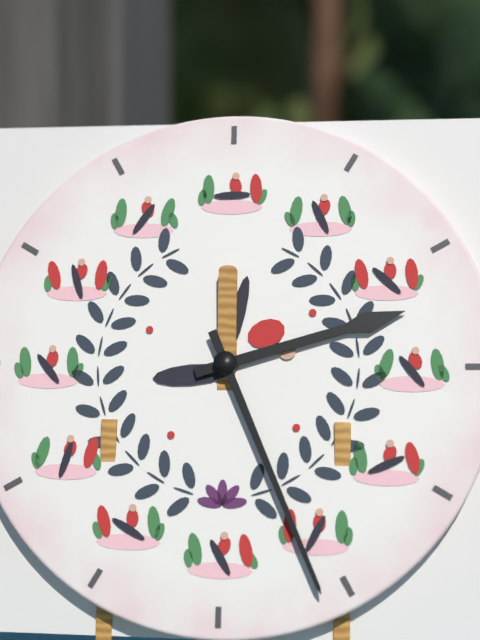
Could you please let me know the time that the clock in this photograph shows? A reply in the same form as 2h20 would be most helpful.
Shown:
2h26
